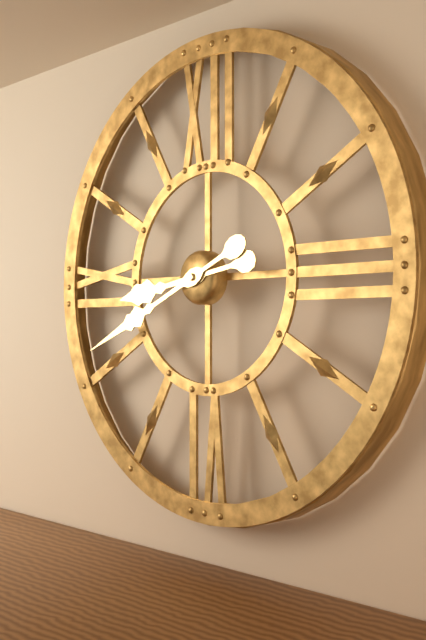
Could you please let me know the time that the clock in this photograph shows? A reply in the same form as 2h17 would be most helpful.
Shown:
8h41
